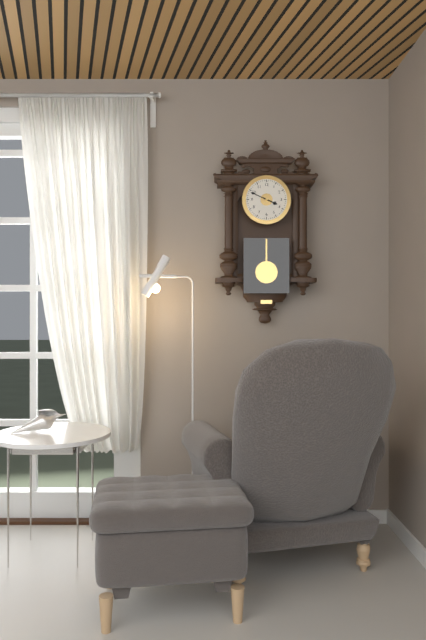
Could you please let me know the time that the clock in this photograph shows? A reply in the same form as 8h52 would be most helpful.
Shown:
3h49
